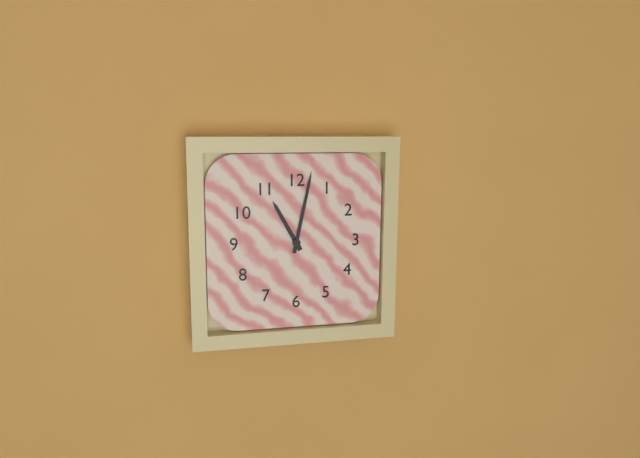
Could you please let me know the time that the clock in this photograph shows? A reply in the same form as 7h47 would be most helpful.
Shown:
11h02
